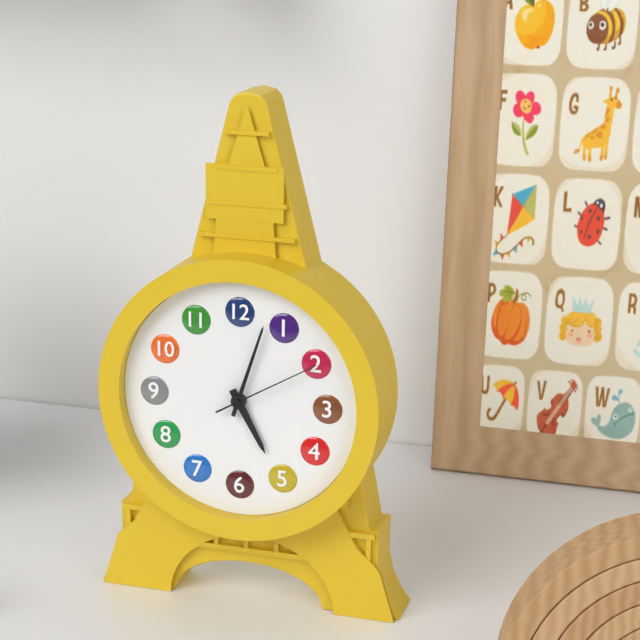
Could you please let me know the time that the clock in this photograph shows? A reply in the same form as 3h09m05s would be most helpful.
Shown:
5h03m10s
